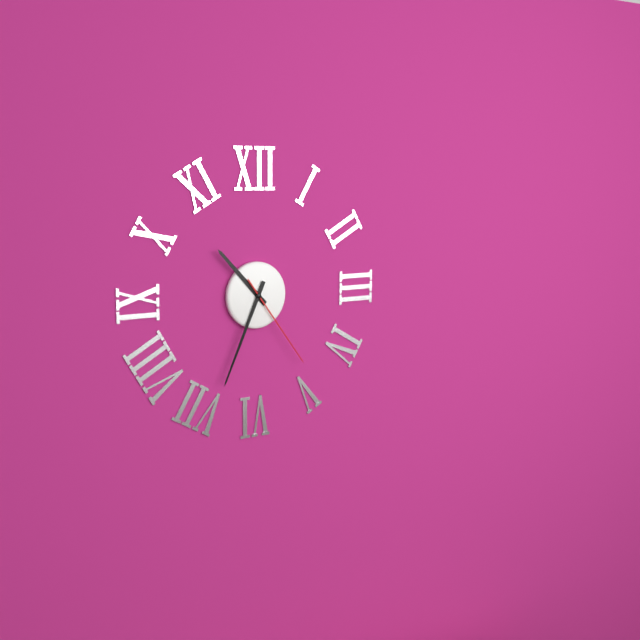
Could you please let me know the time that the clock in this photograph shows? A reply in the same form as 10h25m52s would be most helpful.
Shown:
10h34m24s
